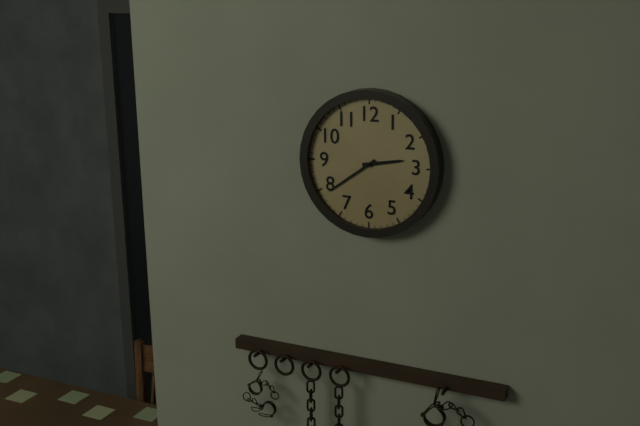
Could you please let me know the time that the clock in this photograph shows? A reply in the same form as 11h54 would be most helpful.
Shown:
2h39
